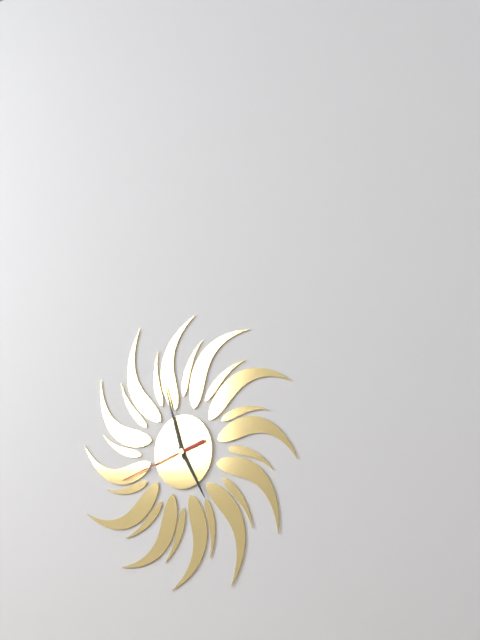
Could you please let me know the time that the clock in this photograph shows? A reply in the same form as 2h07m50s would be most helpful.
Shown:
4h57m42s
